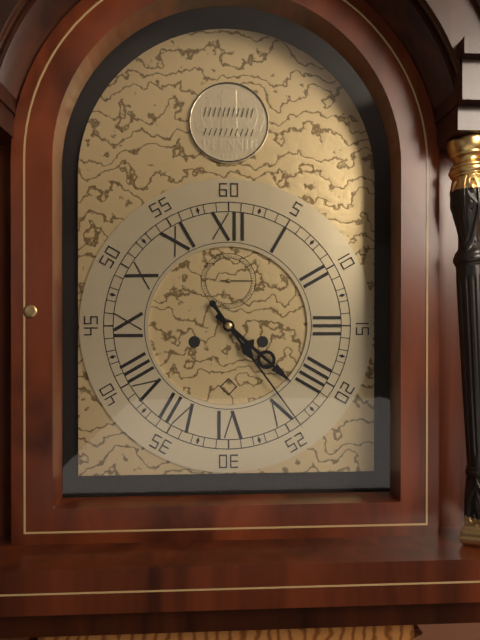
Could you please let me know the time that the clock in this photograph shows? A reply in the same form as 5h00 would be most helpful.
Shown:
4h24
